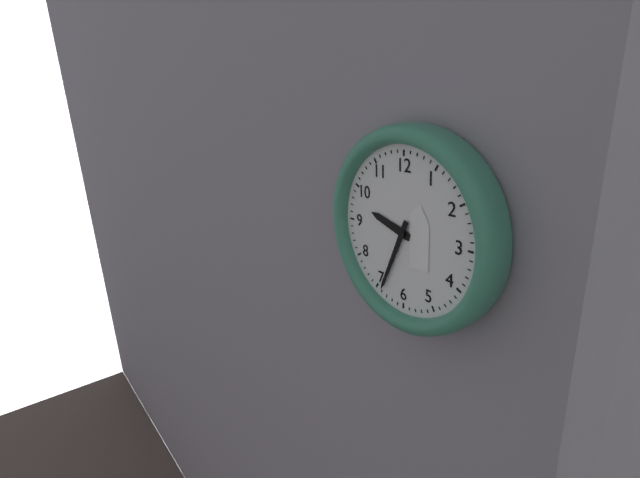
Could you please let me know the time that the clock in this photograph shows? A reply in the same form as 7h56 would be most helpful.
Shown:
9h34
